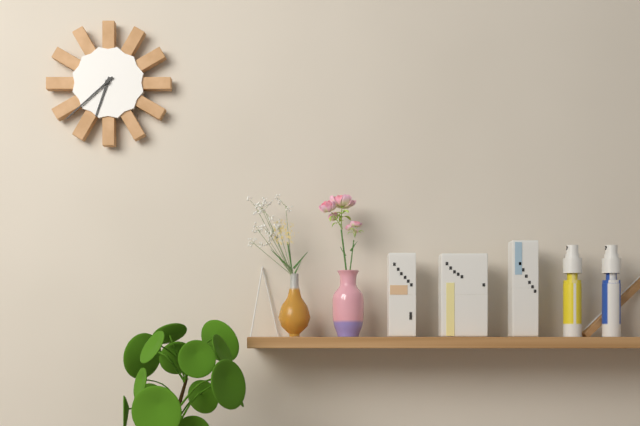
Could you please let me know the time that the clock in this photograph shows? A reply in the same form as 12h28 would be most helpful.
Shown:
6h38
